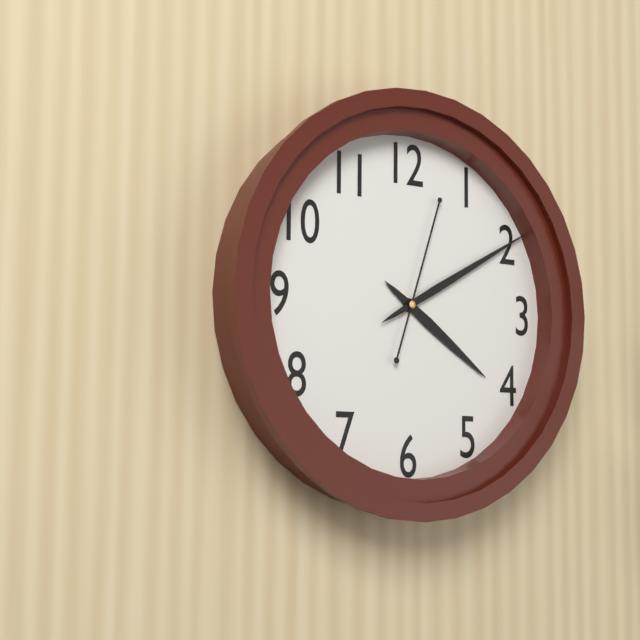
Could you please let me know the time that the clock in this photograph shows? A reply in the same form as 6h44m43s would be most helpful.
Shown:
4h10m03s
